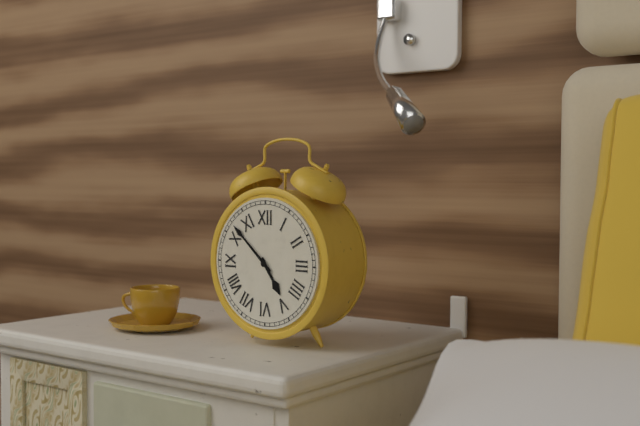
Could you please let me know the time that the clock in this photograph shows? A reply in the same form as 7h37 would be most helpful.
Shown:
4h52
